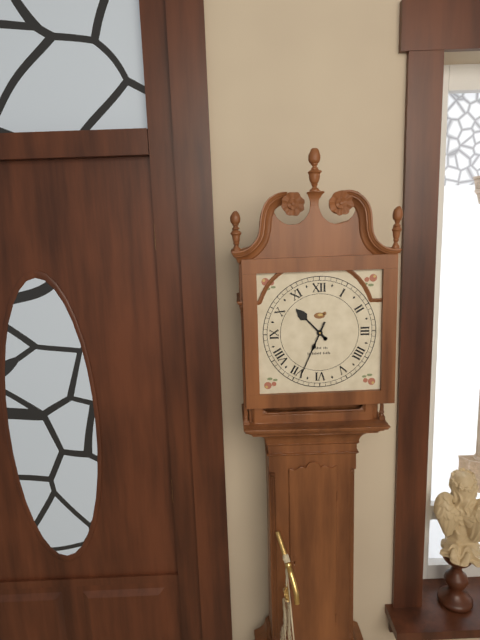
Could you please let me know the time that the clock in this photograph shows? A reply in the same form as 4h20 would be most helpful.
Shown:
10h34
